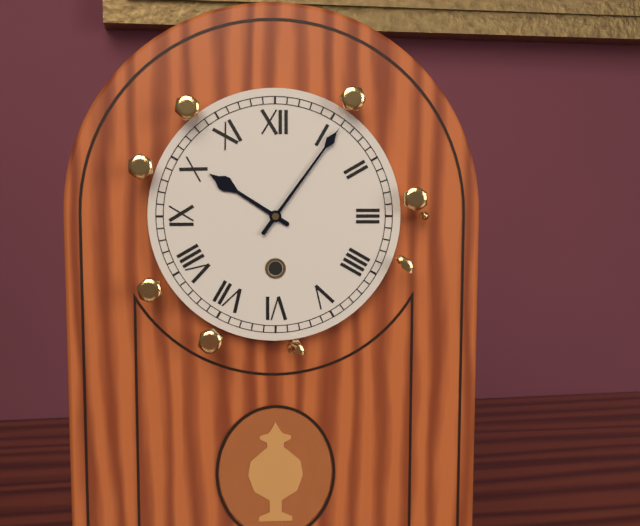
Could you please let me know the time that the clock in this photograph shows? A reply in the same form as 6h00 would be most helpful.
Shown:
10h06
